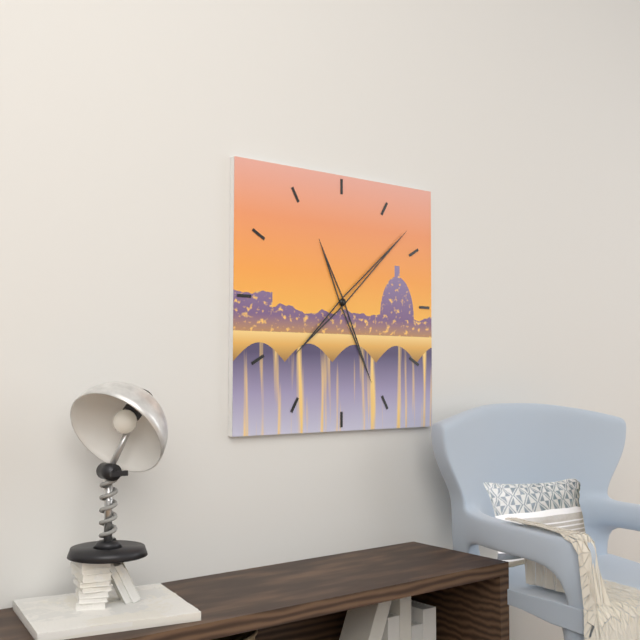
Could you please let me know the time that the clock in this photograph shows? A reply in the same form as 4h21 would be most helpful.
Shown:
5h08
